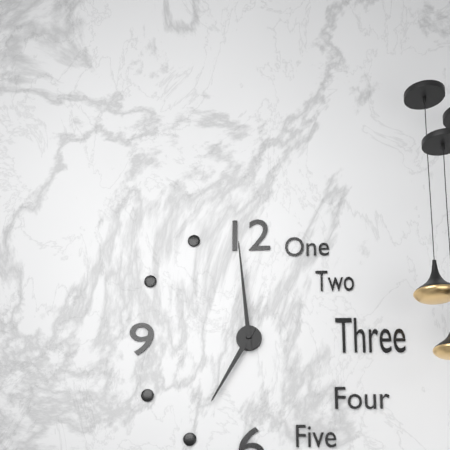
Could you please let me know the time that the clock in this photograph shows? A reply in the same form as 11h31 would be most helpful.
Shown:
6h59
